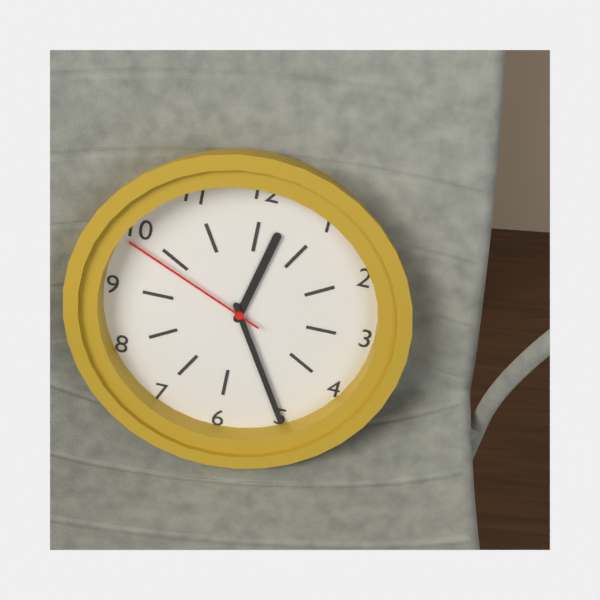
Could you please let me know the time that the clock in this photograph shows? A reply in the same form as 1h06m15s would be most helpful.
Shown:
12h25m49s
